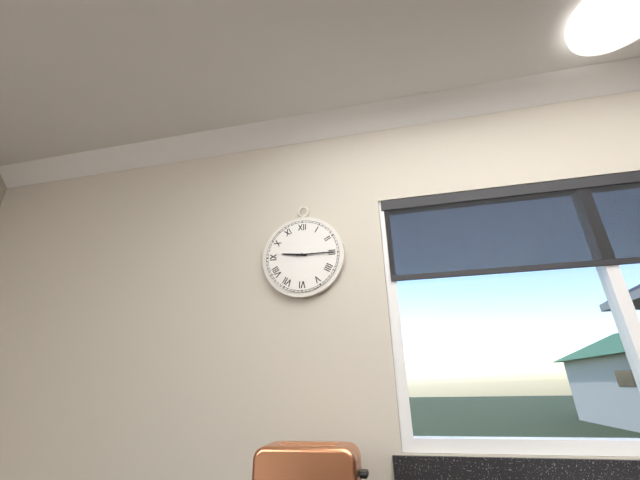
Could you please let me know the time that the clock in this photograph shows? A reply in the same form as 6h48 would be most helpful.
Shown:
9h15
